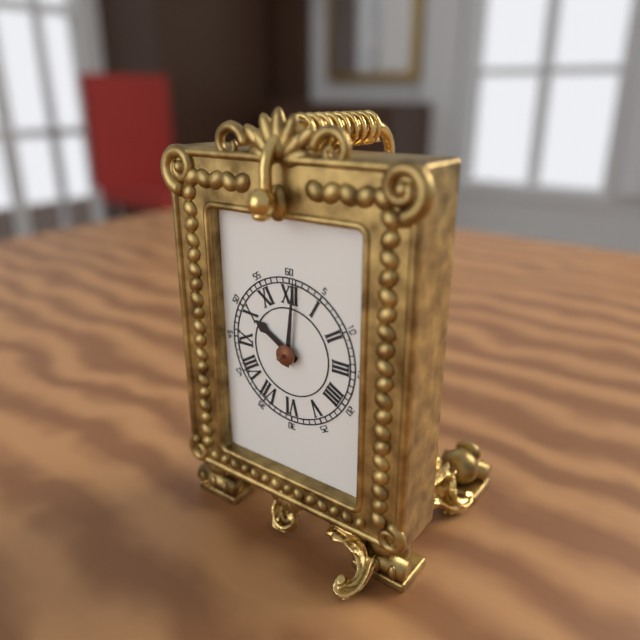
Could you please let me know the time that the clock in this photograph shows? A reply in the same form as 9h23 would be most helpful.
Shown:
10h01
